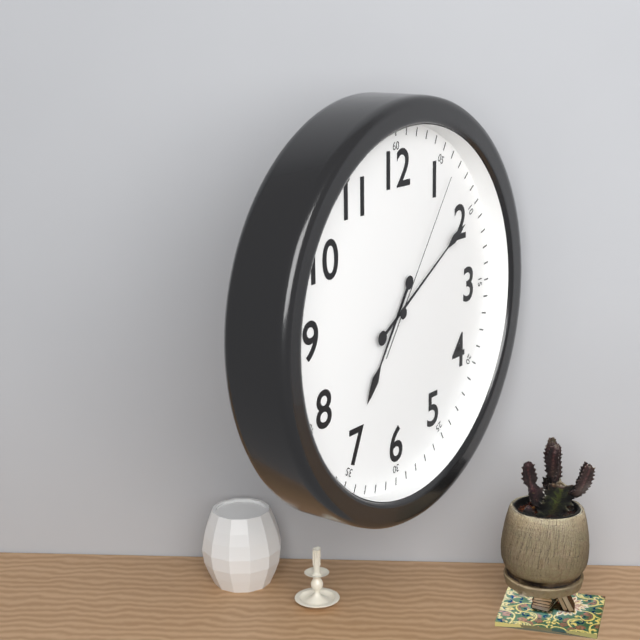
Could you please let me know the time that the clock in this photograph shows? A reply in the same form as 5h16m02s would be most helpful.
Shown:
7h10m06s
